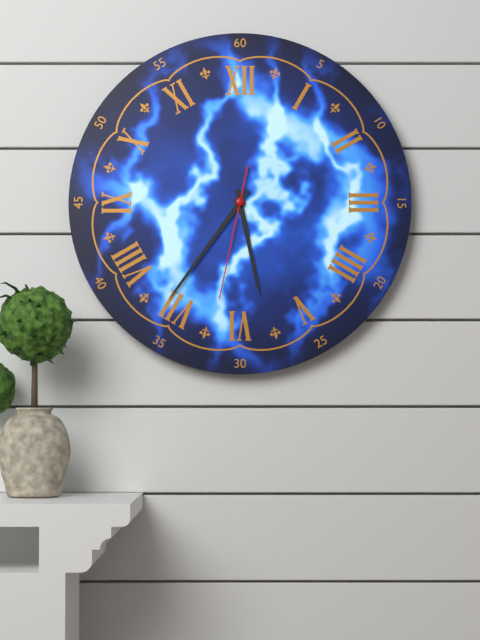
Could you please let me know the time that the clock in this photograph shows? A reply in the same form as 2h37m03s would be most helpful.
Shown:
5h36m32s
